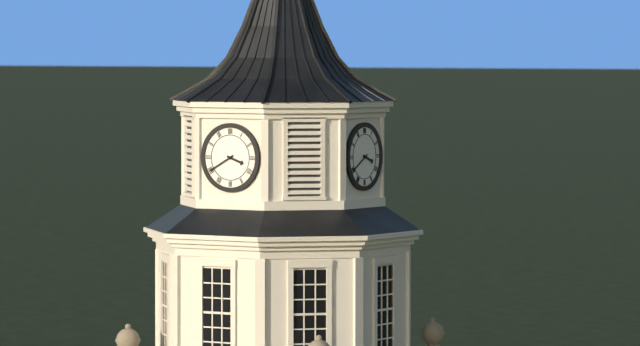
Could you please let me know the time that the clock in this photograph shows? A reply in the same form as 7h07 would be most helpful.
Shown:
3h40
